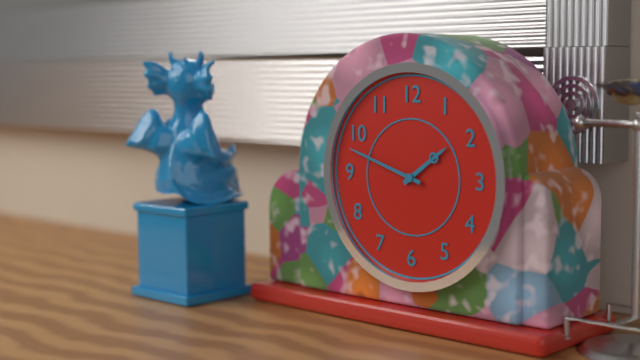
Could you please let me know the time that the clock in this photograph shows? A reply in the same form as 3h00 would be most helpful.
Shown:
1h48
